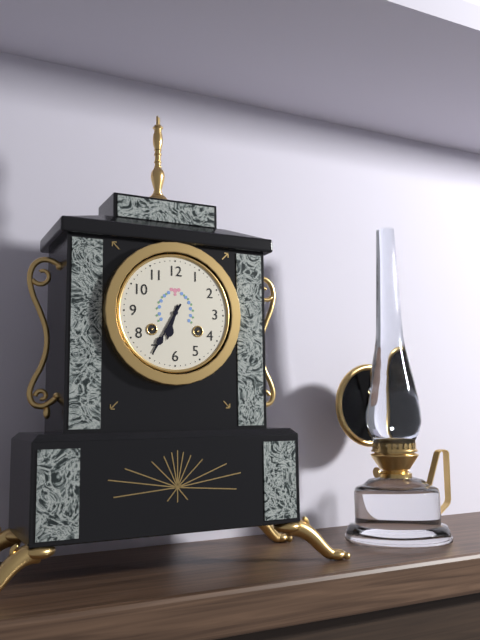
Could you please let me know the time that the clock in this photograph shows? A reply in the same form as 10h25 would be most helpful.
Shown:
6h35
